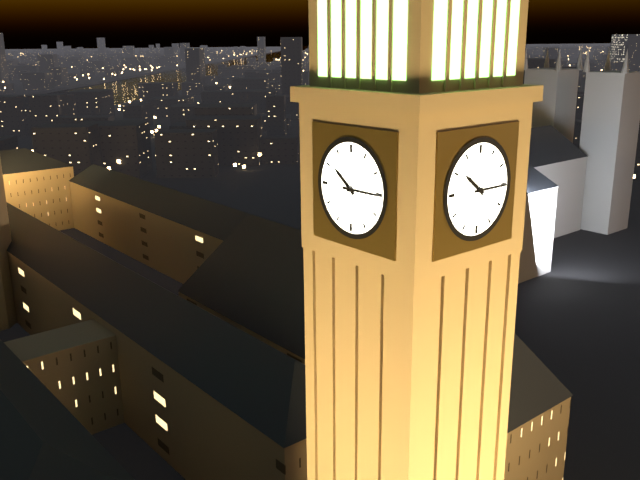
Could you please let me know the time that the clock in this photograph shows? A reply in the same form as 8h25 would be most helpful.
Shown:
10h15
